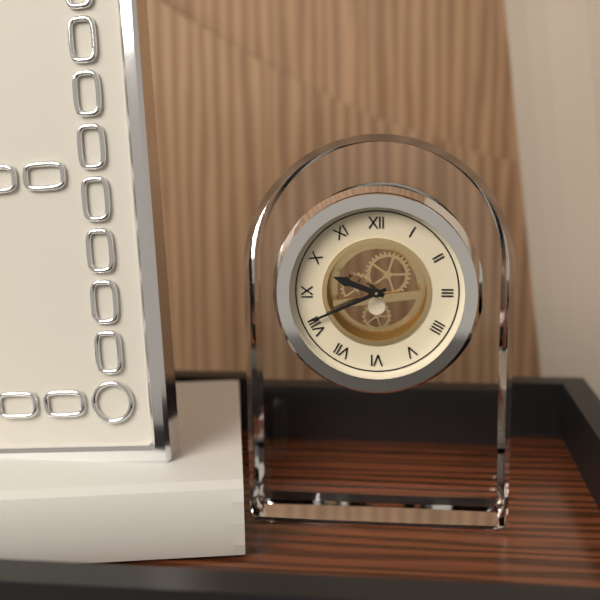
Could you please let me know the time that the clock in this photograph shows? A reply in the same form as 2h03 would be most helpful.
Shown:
9h41
